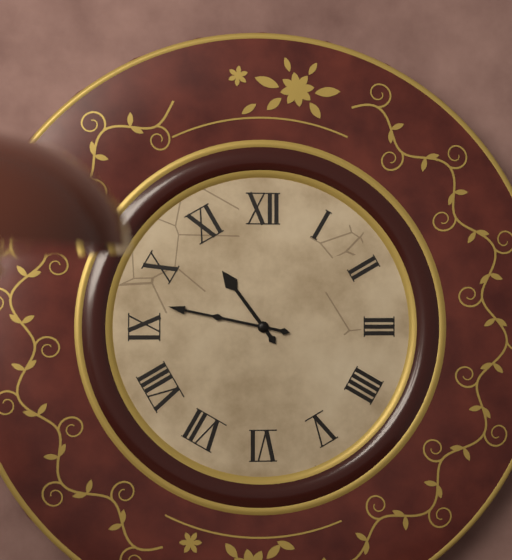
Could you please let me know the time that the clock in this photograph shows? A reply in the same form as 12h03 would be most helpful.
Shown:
10h47
